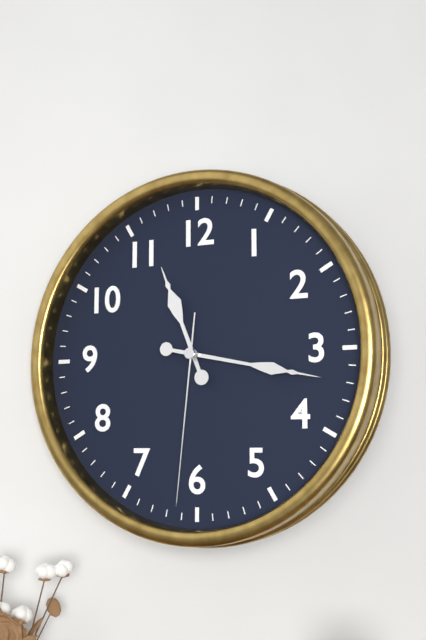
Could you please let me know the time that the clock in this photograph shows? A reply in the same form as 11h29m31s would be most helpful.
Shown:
11h17m31s
